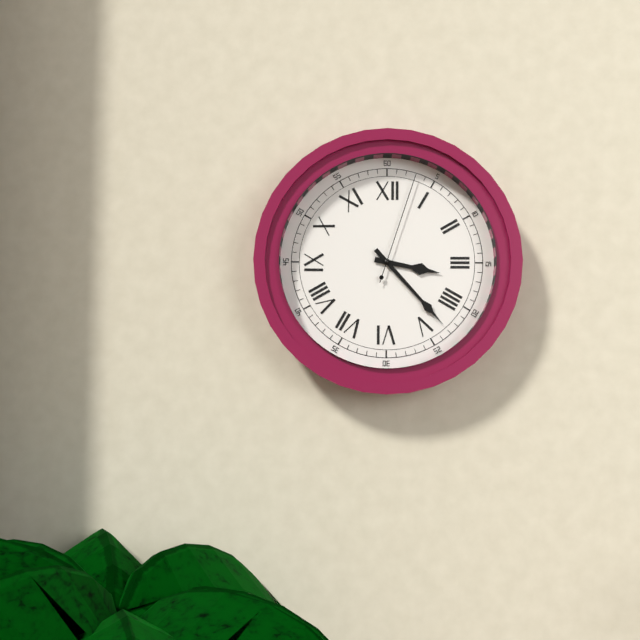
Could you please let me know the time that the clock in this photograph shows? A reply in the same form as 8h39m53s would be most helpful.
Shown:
3h23m03s
